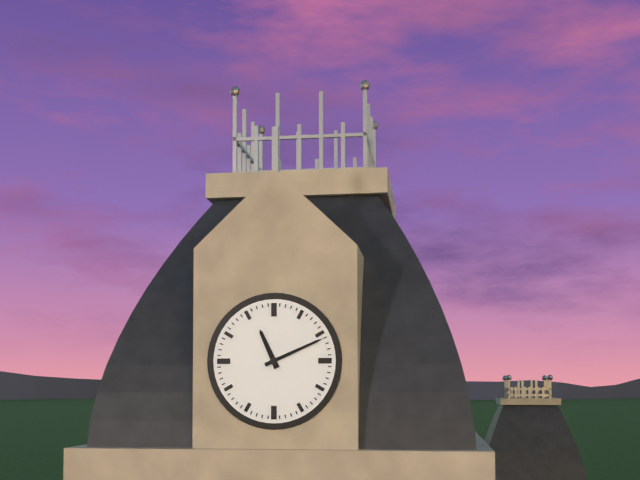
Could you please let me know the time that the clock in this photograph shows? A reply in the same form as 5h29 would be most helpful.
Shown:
11h11
